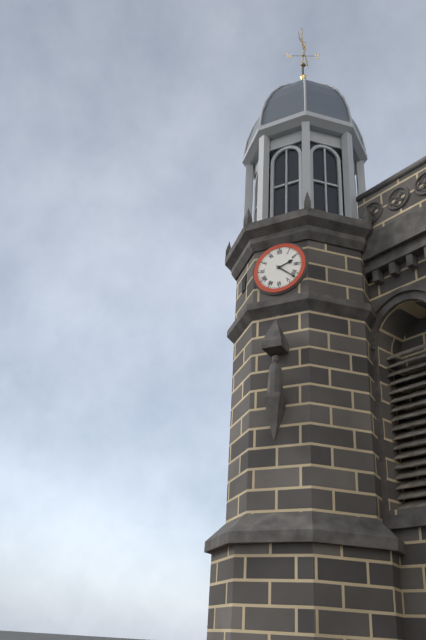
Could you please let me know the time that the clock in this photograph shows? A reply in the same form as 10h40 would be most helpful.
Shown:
2h22
